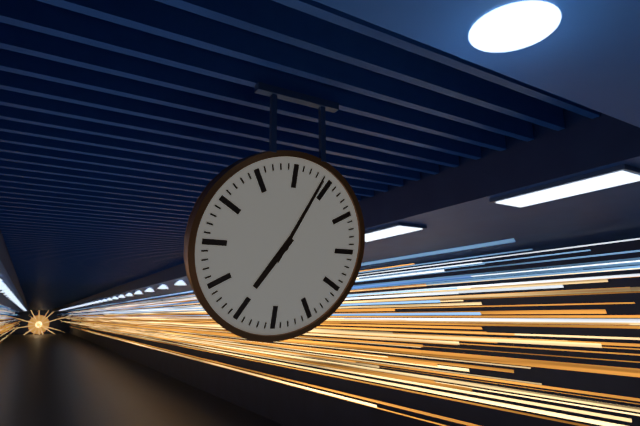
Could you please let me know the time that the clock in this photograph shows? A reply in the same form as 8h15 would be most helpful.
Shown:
7h04
